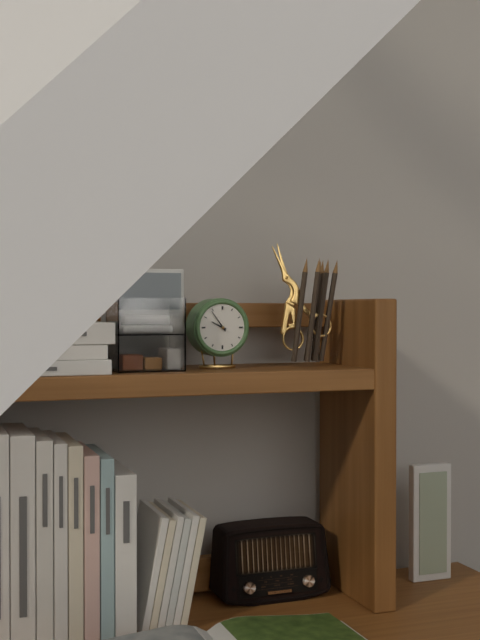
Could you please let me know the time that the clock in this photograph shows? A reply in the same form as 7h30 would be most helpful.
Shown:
9h54
